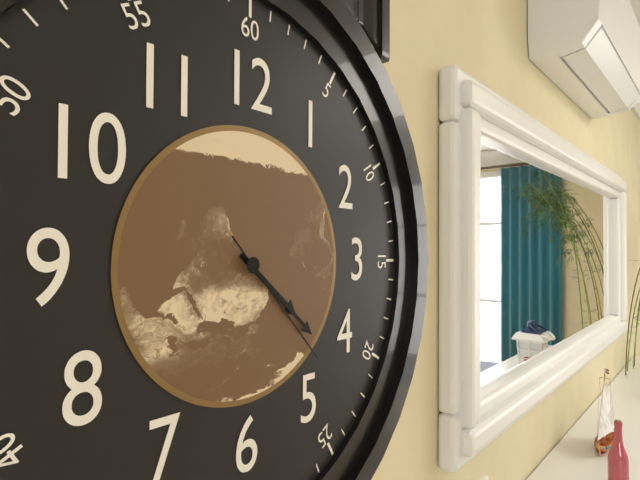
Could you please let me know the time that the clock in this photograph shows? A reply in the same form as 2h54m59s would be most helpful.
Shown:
4h22m23s
